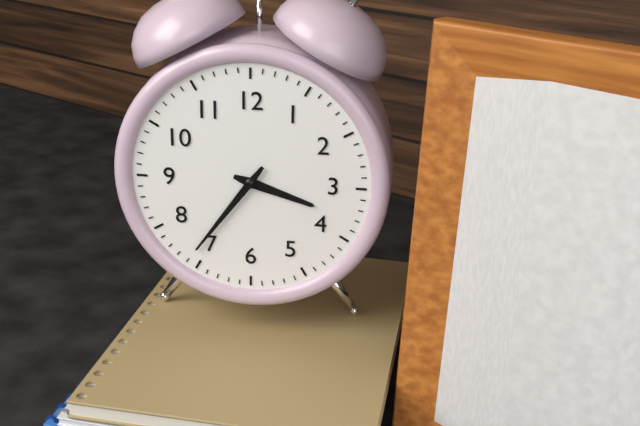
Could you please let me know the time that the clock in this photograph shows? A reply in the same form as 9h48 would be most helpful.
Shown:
3h36
